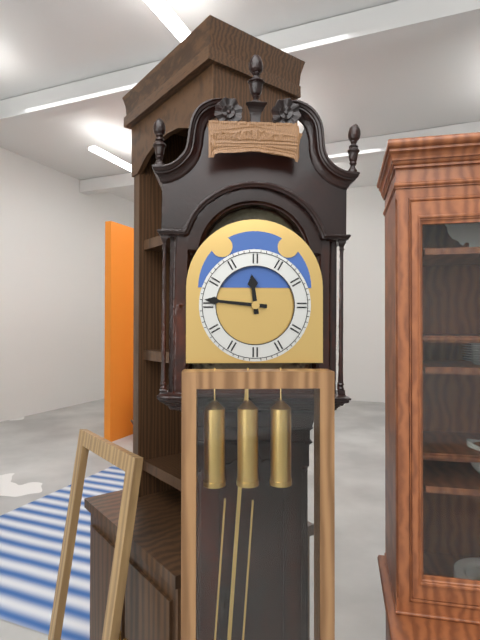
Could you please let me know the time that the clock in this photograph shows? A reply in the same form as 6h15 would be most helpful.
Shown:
11h46
